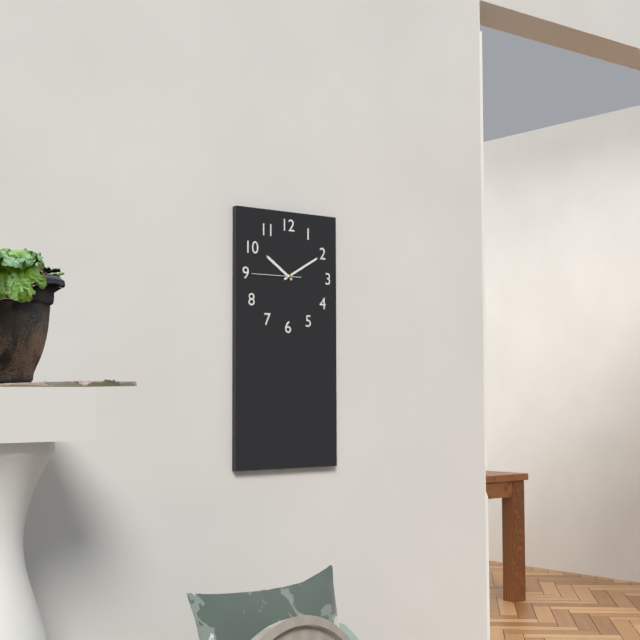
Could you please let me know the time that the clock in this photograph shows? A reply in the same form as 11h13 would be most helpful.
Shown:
10h10
